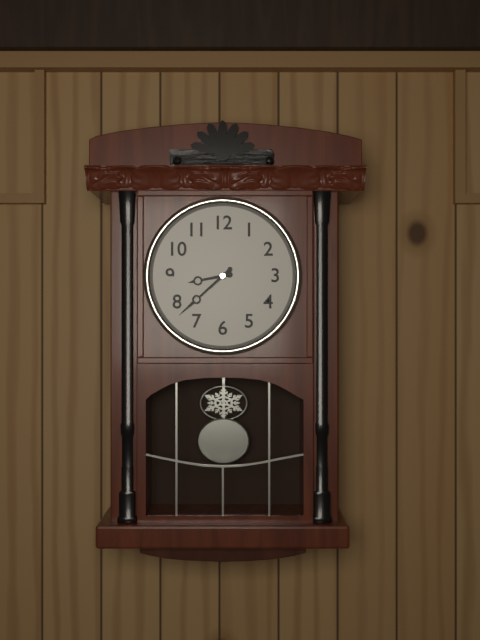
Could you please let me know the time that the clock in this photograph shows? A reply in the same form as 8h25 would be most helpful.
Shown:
8h38
